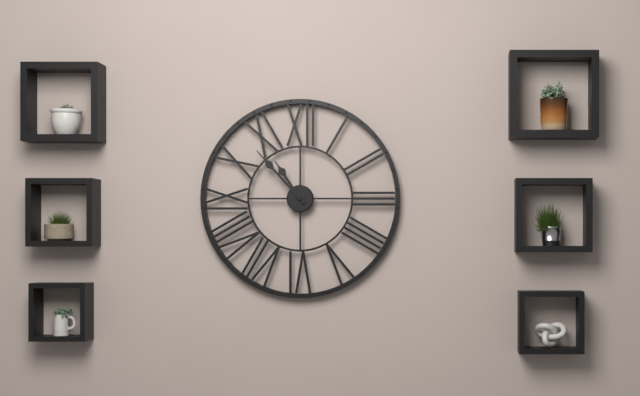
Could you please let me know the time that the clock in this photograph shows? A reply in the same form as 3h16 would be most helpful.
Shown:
10h53
